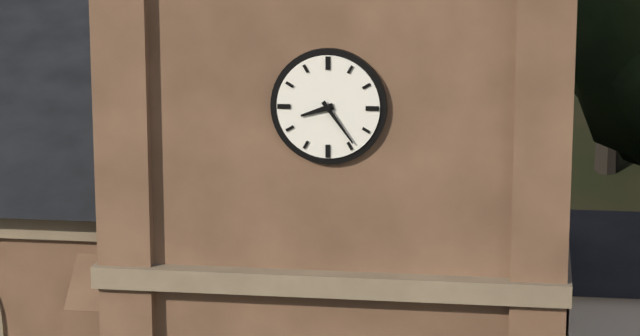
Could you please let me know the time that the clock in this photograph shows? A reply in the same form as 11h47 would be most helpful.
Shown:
8h24
